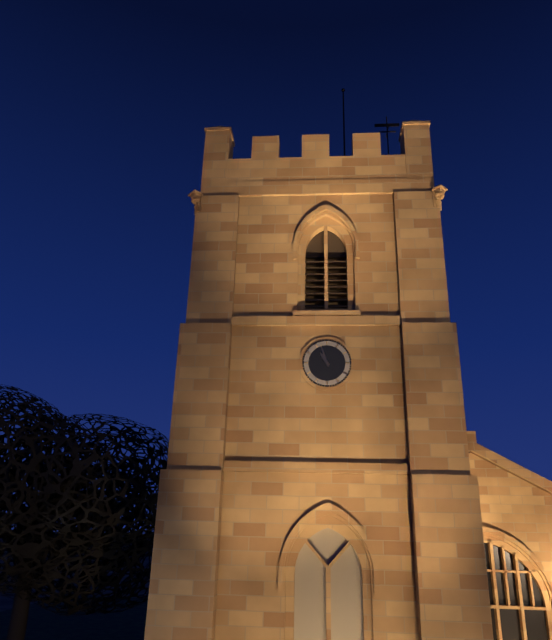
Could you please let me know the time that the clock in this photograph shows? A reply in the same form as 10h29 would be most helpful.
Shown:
10h57
